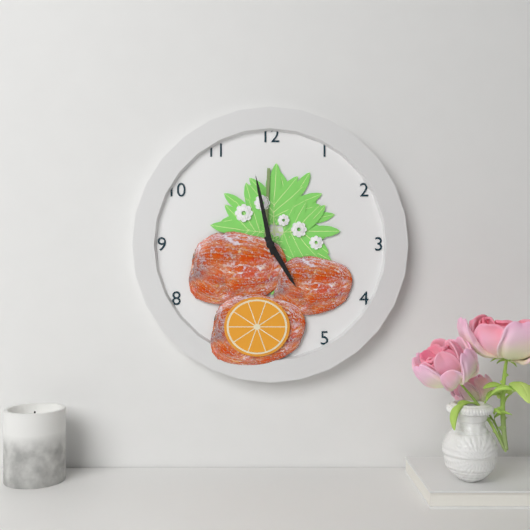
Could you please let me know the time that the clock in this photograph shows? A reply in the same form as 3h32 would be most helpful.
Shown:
4h58
